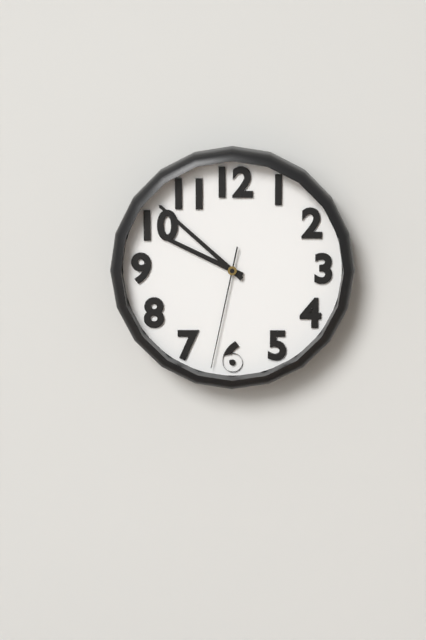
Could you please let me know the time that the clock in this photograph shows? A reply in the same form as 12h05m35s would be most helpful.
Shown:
9h52m32s
